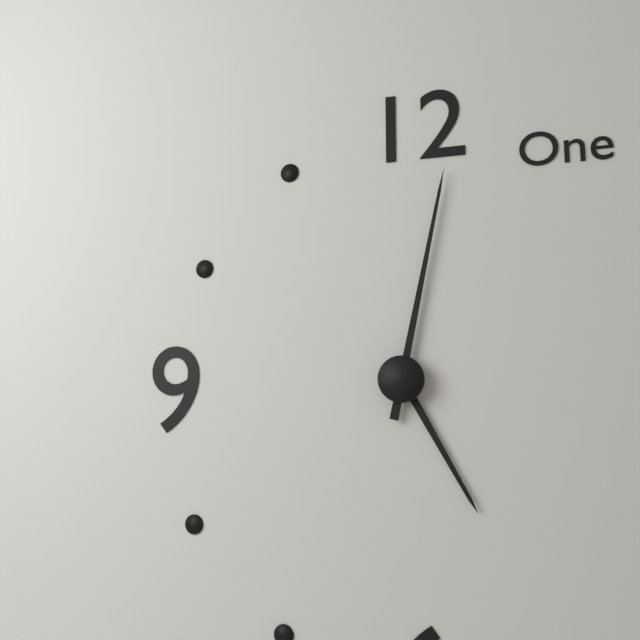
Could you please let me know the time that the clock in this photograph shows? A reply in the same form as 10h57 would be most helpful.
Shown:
5h02
